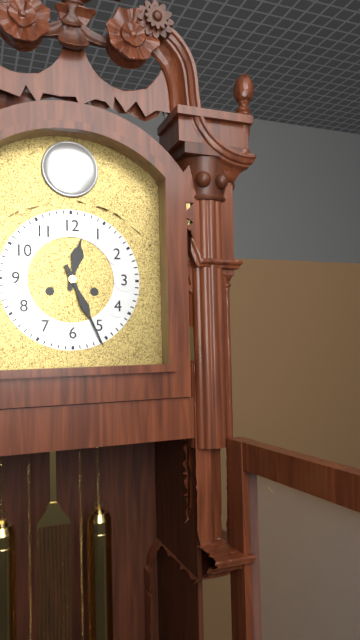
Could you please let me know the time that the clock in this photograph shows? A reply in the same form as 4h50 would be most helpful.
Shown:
12h26
